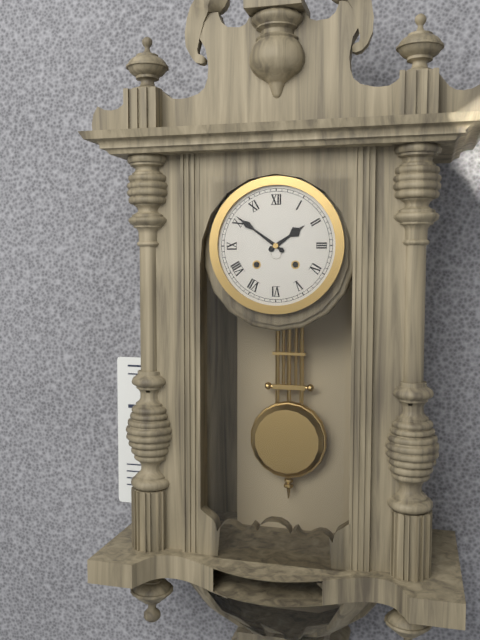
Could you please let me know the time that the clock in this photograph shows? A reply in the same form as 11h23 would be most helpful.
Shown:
1h51
